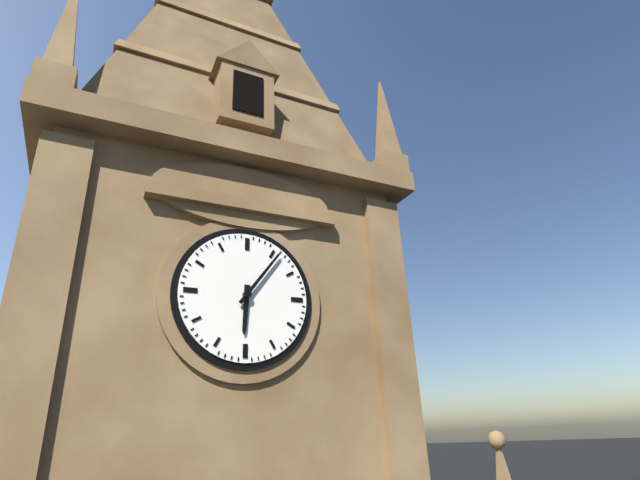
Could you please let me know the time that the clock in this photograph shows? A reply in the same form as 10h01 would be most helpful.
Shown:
6h06
